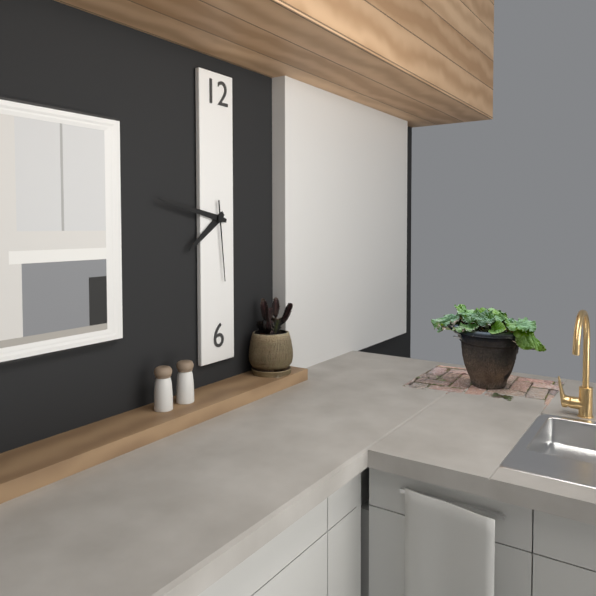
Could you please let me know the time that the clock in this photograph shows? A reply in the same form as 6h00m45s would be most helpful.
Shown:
7h47m29s
